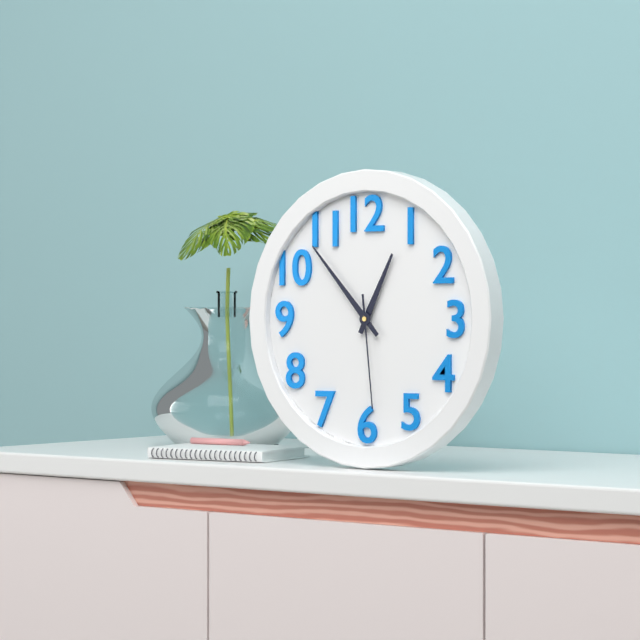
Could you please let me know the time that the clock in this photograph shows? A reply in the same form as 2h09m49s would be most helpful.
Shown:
12h53m29s
